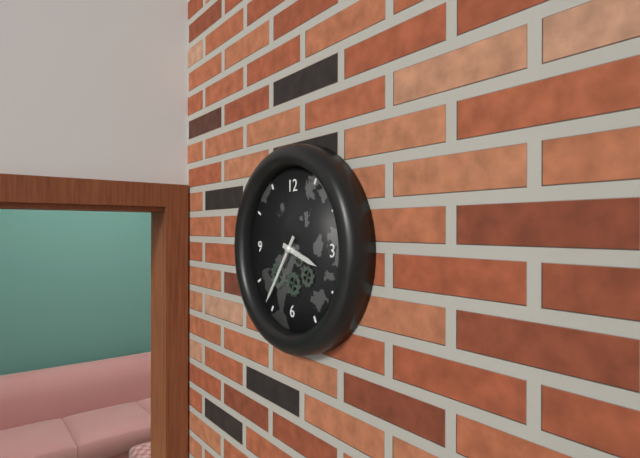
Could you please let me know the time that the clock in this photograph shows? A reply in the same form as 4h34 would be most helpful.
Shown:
3h36
